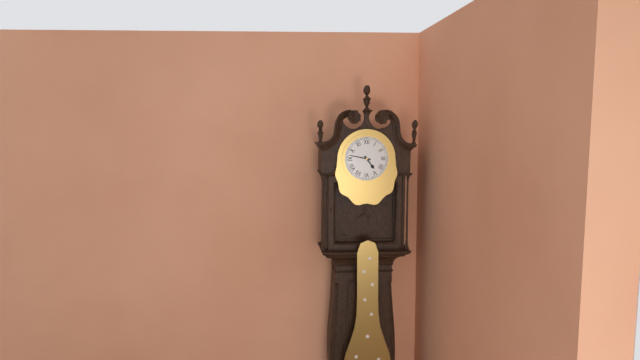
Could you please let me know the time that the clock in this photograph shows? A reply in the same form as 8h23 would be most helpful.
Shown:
4h47
